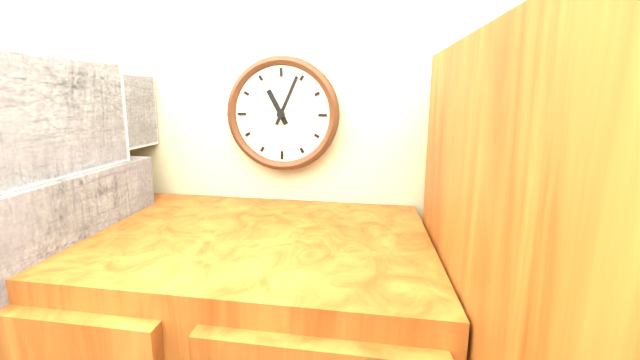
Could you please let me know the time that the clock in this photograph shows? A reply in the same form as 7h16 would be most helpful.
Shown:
11h04
